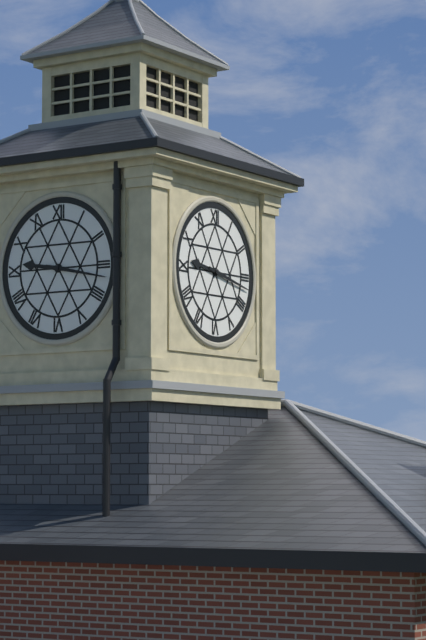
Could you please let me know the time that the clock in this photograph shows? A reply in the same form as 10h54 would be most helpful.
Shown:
9h17
